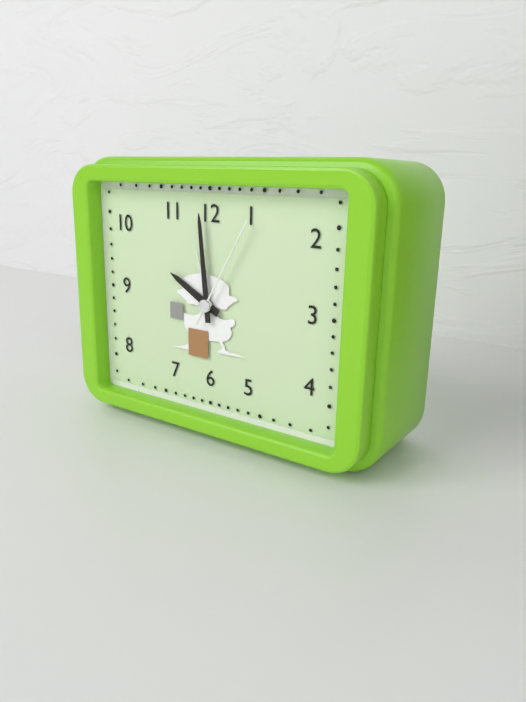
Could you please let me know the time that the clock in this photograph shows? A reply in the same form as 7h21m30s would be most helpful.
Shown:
9h59m05s
